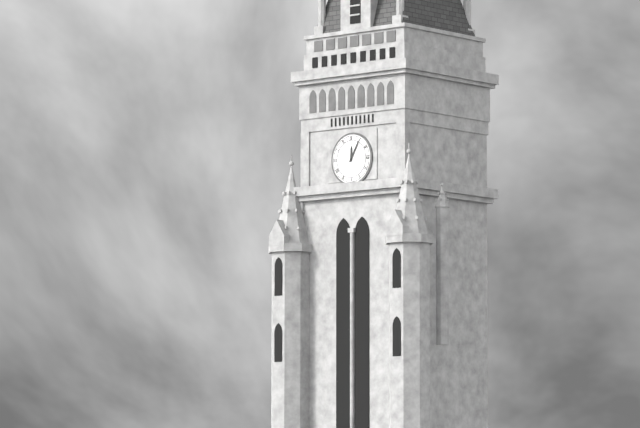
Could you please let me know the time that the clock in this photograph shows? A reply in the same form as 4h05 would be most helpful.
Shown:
12h05
